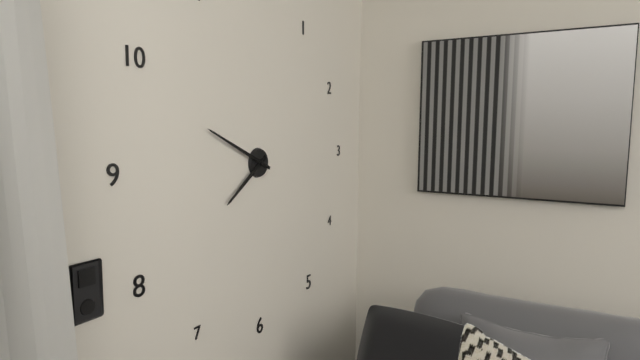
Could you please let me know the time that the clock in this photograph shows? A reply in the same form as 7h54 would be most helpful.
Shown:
7h49
